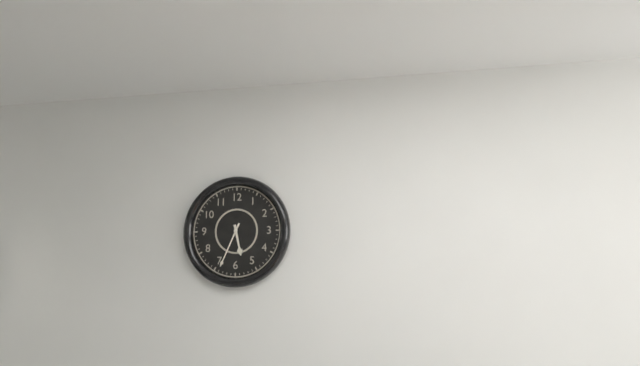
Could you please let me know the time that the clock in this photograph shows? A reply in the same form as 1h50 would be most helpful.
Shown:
5h34
